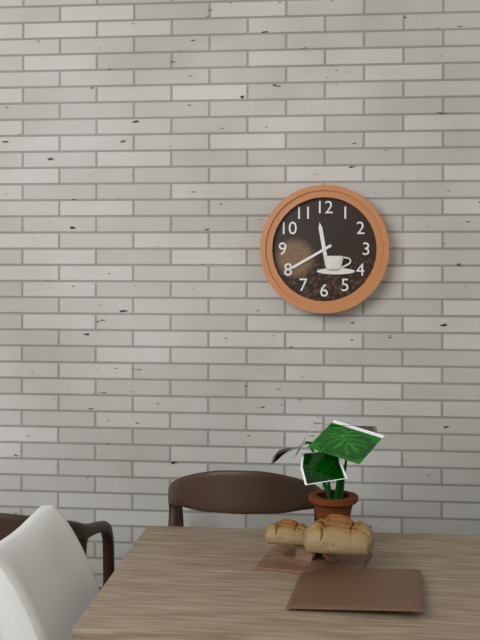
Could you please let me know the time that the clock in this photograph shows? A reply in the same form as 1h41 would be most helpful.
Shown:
11h40
